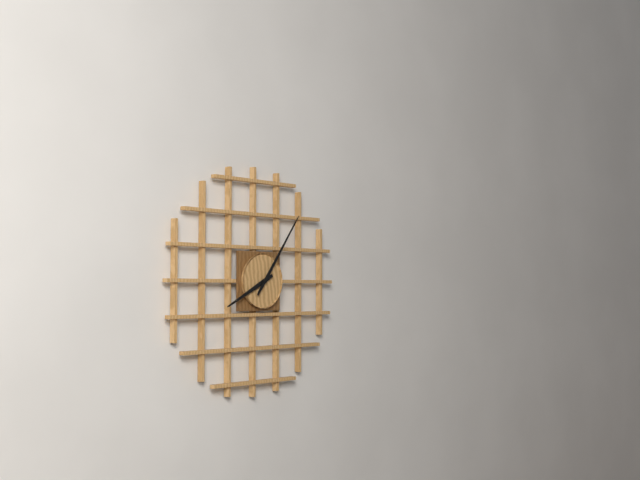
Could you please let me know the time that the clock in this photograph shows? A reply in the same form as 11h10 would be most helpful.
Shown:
8h06
